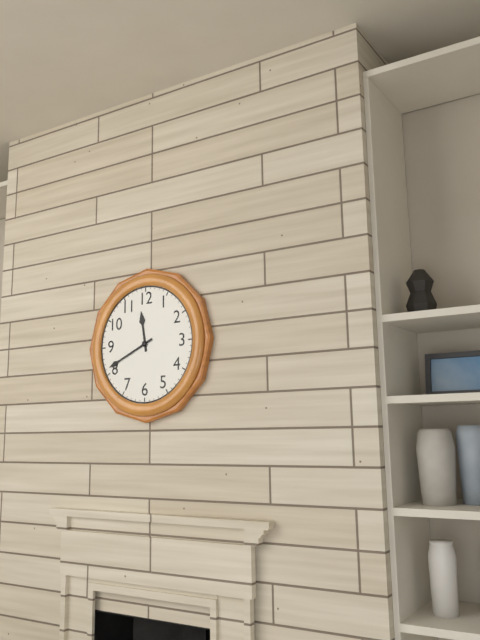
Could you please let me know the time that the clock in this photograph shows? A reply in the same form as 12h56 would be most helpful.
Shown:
11h41
